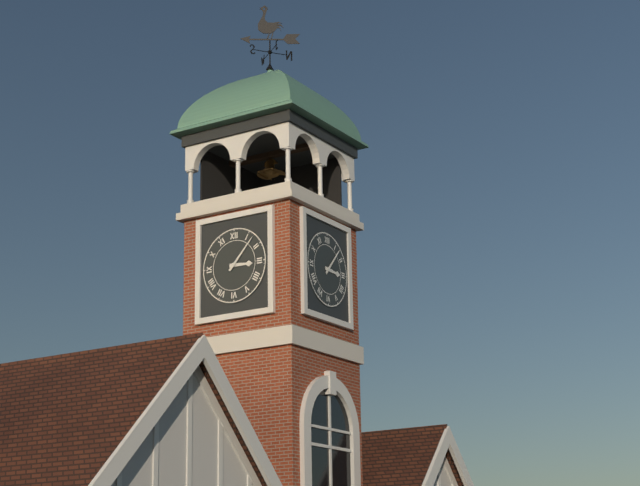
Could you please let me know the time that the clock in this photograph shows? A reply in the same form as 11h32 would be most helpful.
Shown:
3h07
